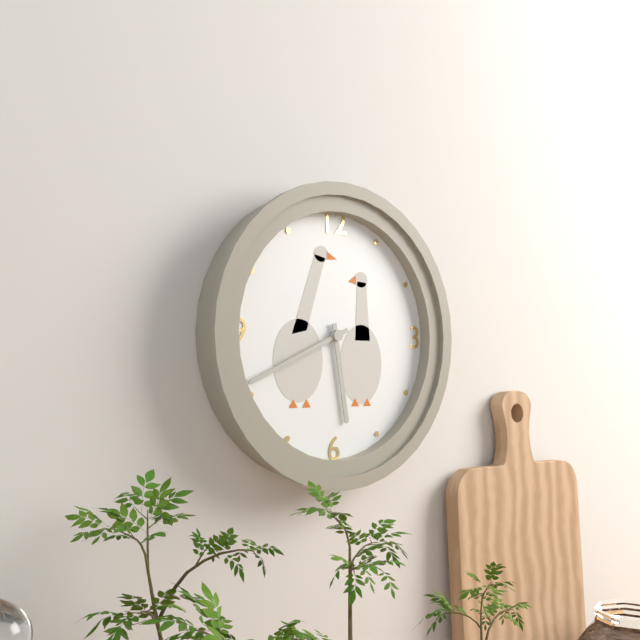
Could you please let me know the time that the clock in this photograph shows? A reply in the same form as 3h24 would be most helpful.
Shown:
5h41
